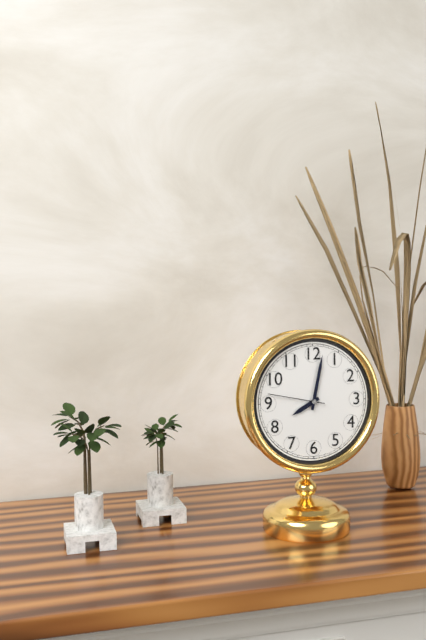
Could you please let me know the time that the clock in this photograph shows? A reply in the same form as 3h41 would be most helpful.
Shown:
8h02
